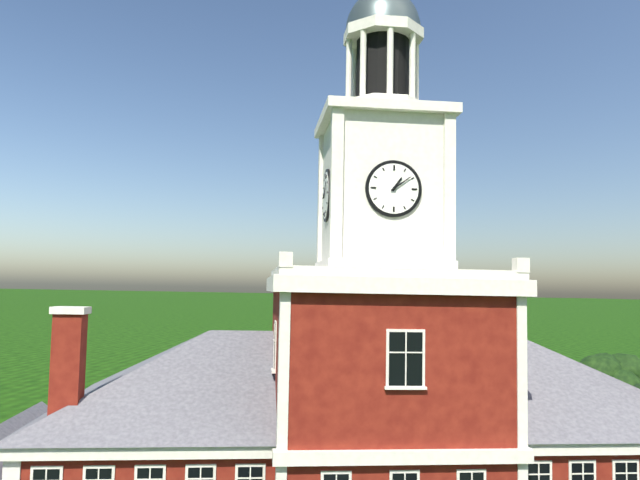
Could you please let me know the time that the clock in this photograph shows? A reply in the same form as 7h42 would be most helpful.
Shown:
1h09
